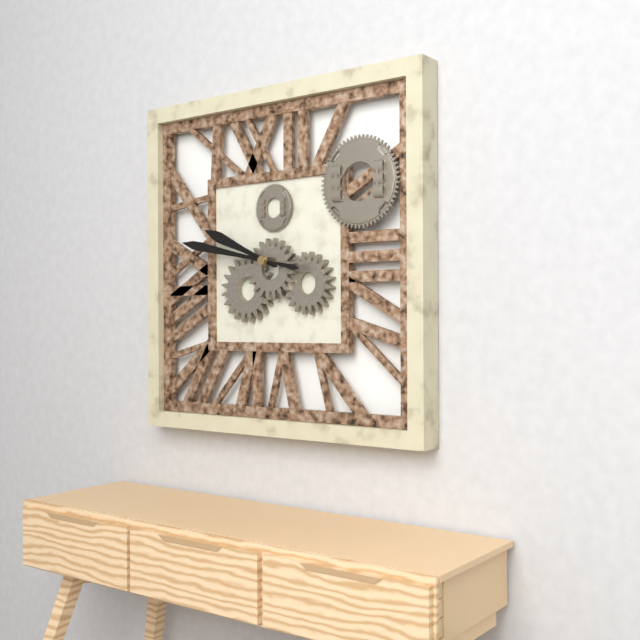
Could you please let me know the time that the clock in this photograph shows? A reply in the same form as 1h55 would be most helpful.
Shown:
9h47
